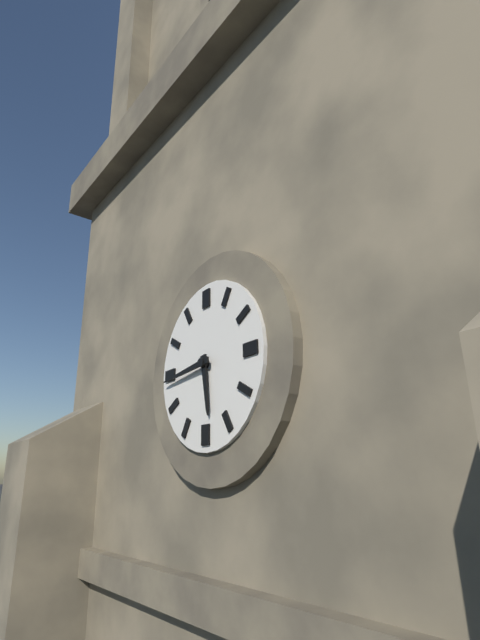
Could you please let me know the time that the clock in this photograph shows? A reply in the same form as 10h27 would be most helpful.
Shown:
5h44
